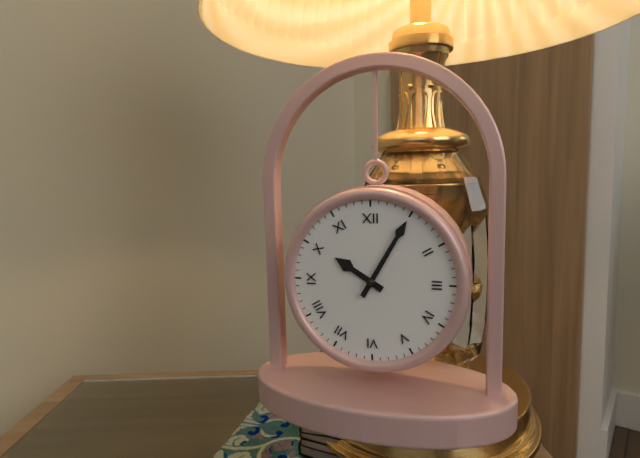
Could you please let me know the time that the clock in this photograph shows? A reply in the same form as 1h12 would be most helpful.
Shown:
10h05
